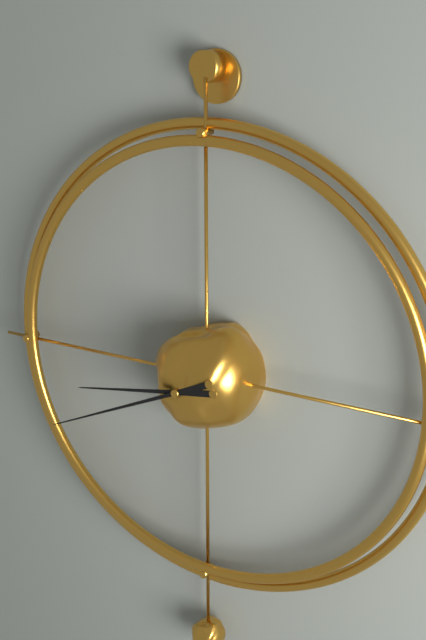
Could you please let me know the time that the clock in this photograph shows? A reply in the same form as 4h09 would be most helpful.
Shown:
8h41
